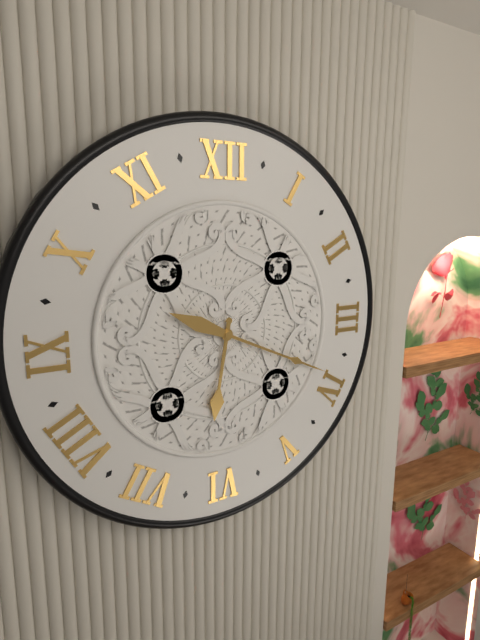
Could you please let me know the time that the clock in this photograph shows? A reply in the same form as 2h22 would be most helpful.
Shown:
6h19
